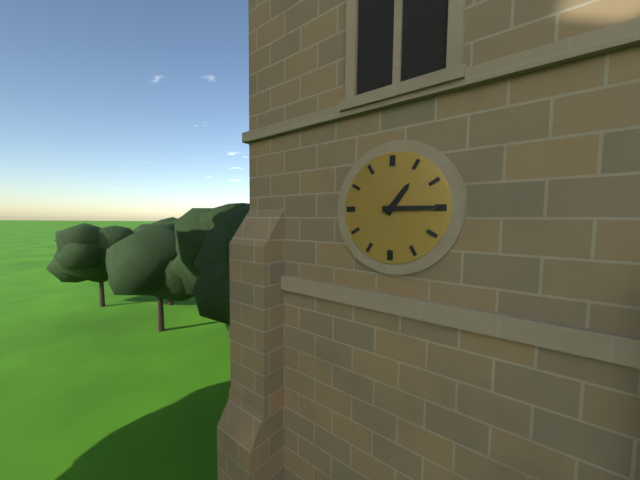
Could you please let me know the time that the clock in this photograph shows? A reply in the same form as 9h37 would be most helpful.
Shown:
1h15
